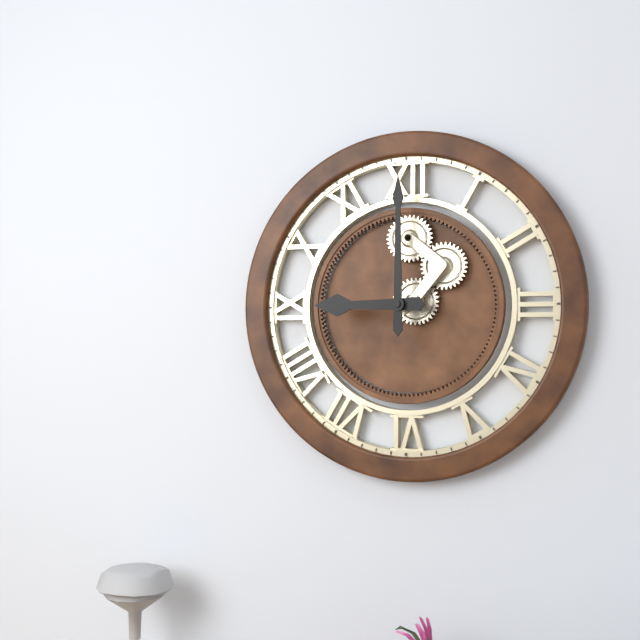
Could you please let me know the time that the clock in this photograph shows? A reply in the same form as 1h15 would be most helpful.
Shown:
9h00
